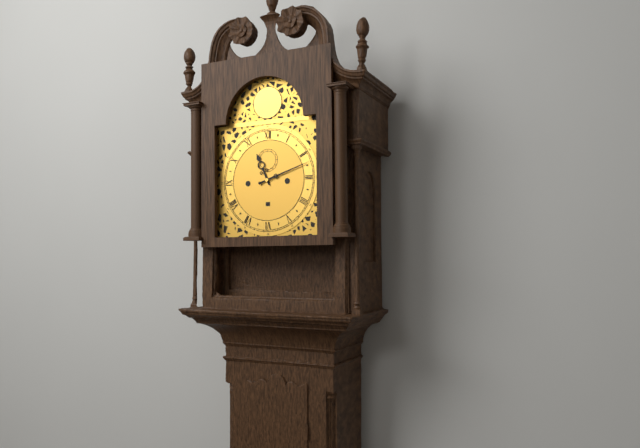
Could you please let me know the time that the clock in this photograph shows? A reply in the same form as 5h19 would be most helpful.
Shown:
11h12
